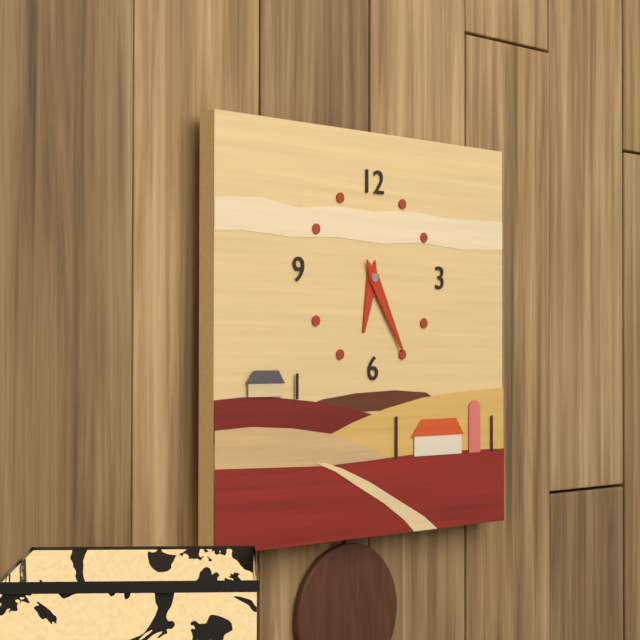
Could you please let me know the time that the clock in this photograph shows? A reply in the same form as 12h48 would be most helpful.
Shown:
6h25
